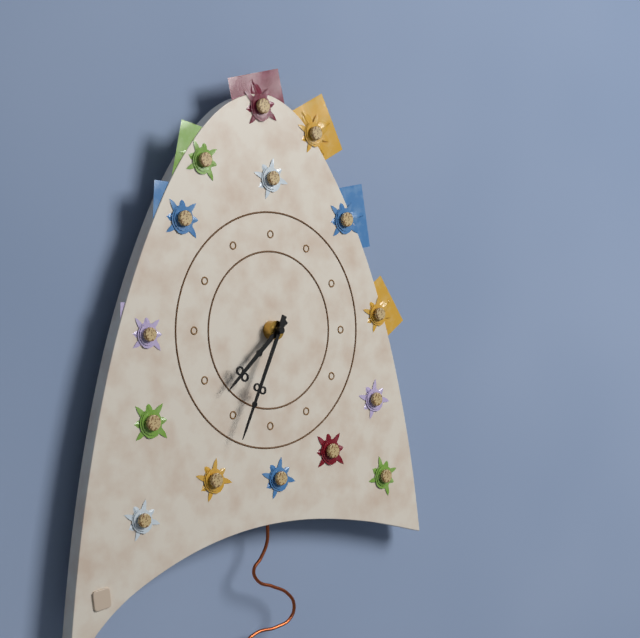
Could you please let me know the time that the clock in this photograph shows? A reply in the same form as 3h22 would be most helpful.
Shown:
7h34
